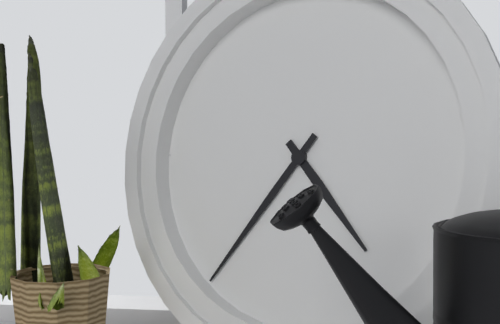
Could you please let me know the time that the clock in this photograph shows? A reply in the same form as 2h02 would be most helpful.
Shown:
4h36
